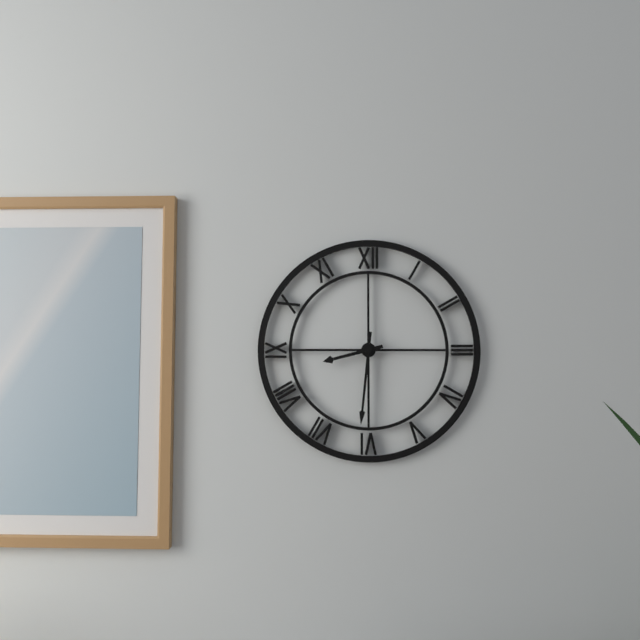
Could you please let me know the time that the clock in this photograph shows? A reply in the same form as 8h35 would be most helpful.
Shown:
8h31
